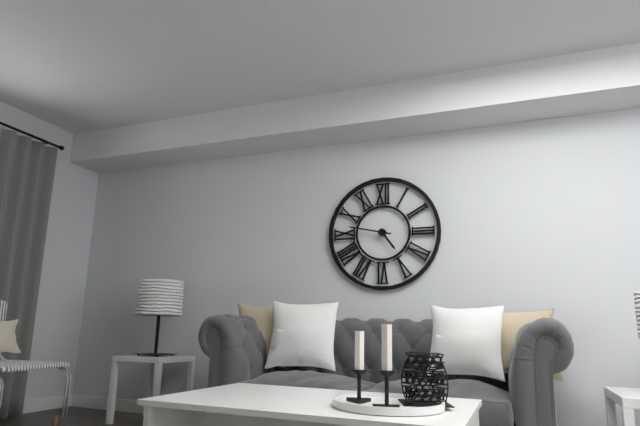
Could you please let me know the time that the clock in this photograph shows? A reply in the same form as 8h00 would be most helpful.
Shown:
4h47
